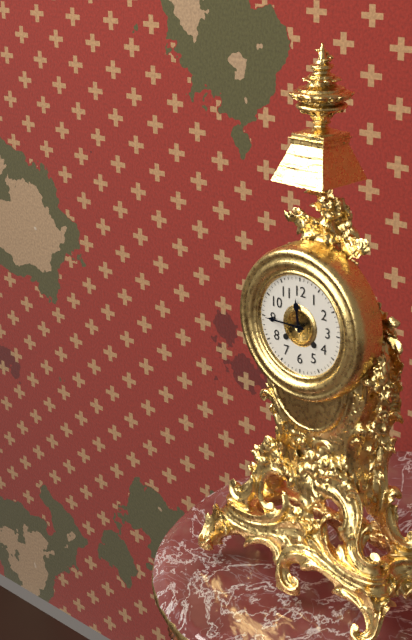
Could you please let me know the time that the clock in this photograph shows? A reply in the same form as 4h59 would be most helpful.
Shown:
11h45
